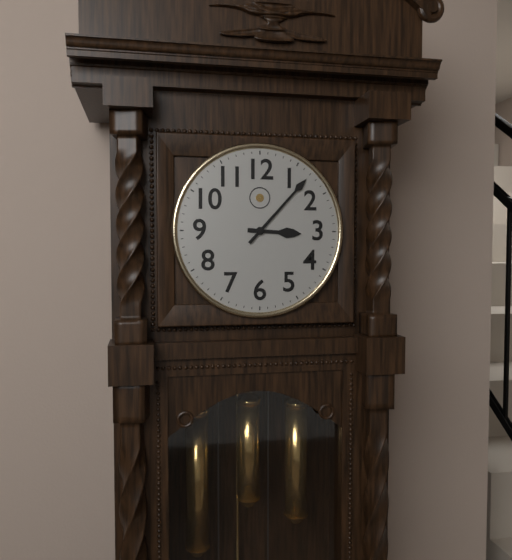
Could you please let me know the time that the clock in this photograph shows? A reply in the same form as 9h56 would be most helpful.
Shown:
3h07
